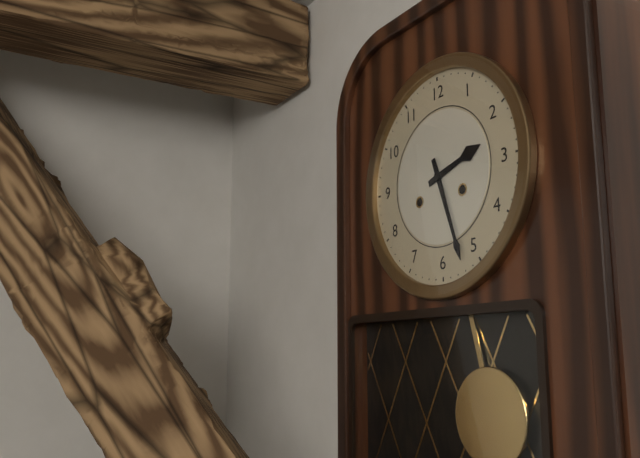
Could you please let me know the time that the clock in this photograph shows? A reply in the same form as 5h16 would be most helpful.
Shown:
2h27
